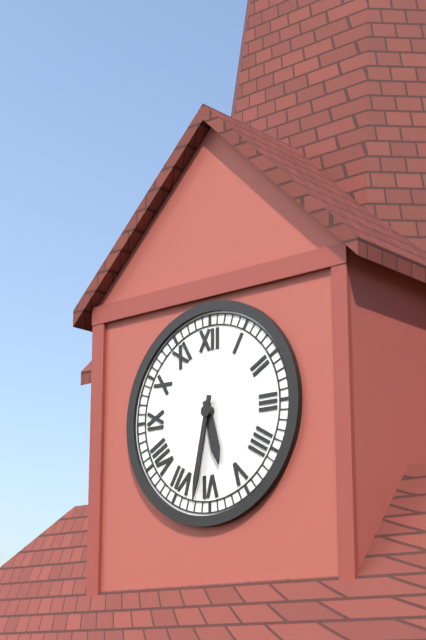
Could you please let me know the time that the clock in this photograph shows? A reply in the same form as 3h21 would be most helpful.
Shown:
5h32
